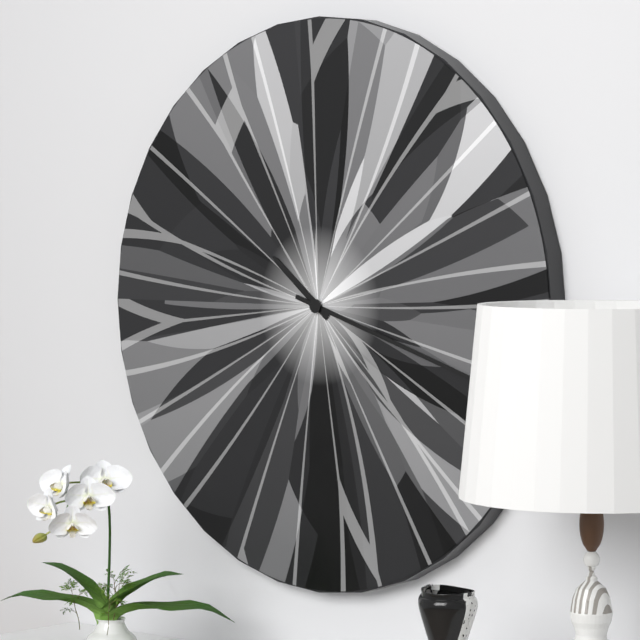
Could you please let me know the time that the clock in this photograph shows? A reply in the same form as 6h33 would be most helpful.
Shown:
10h18
